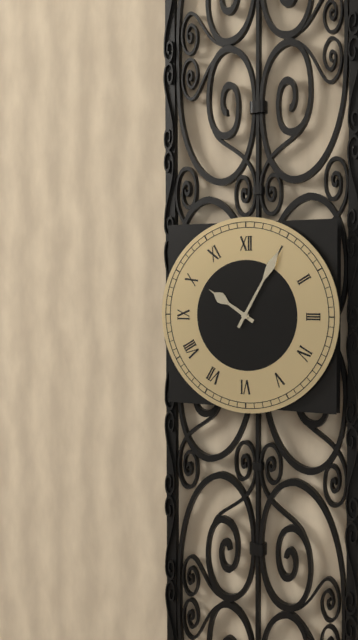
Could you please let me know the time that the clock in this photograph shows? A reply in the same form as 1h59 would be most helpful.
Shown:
10h05
